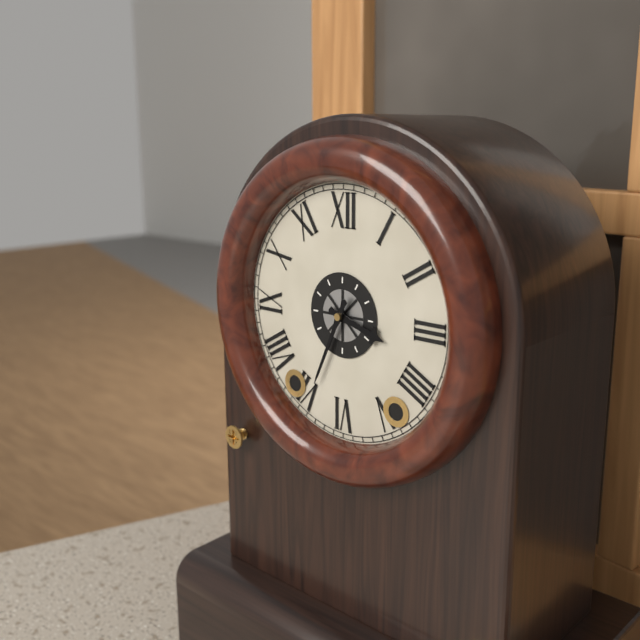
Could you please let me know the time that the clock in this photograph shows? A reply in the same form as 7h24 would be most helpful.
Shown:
3h34
